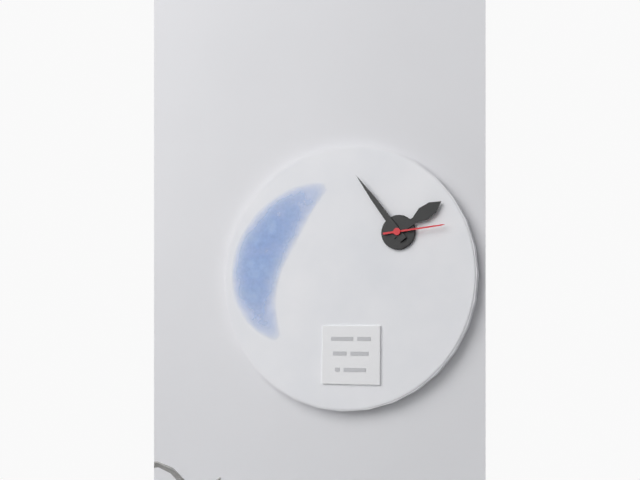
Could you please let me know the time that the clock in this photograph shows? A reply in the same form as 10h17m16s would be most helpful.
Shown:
1h54m14s
